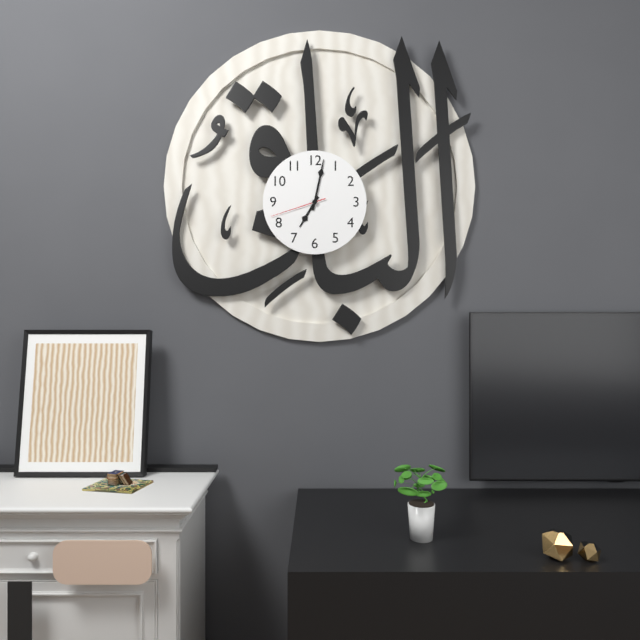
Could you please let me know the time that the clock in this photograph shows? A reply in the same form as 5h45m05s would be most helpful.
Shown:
7h02m42s
